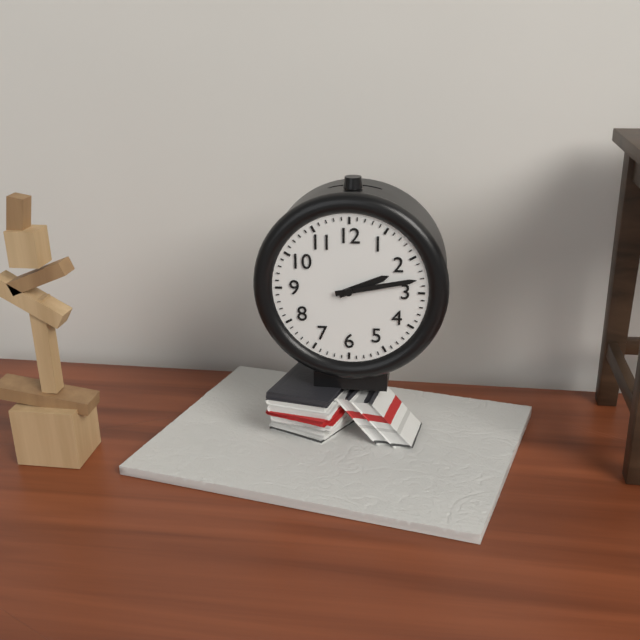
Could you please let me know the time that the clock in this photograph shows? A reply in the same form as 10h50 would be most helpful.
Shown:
2h13
